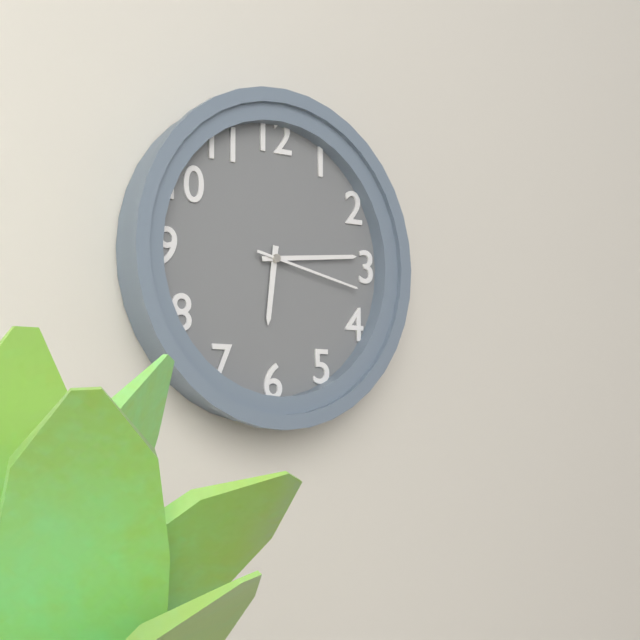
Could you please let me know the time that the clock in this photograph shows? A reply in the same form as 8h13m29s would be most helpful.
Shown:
6h14m17s
